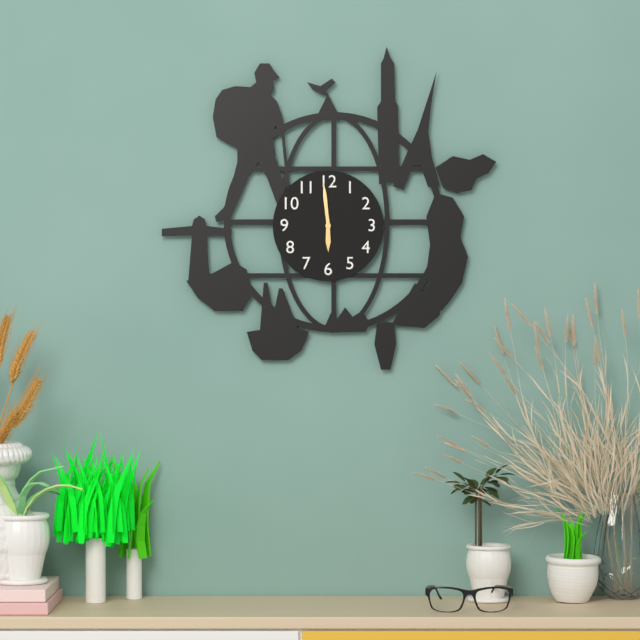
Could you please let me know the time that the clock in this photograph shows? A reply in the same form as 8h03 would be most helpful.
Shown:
5h59
